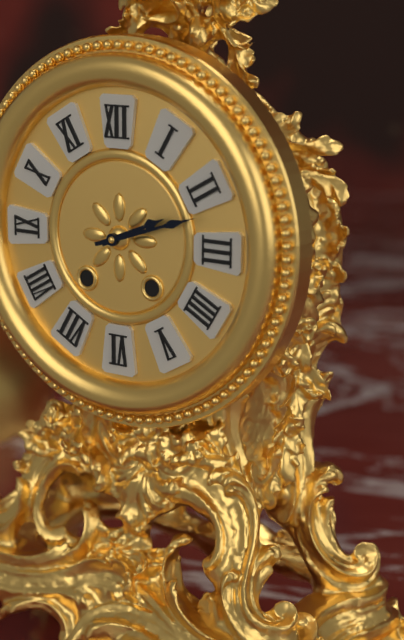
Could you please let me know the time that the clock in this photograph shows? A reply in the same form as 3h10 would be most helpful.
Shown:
2h12
